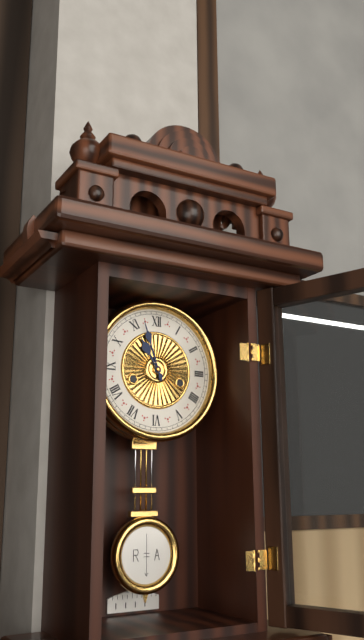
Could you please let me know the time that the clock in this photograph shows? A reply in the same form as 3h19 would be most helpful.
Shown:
10h57
